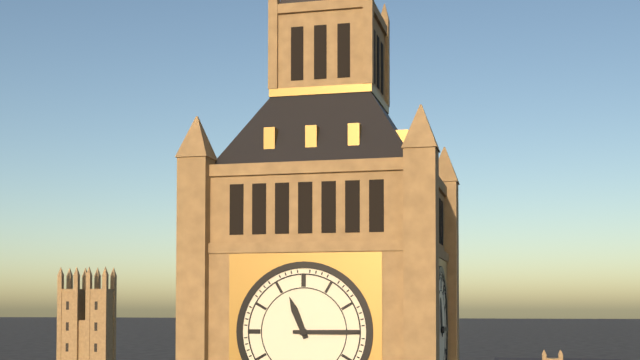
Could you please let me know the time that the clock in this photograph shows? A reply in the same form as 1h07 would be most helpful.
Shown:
11h15
